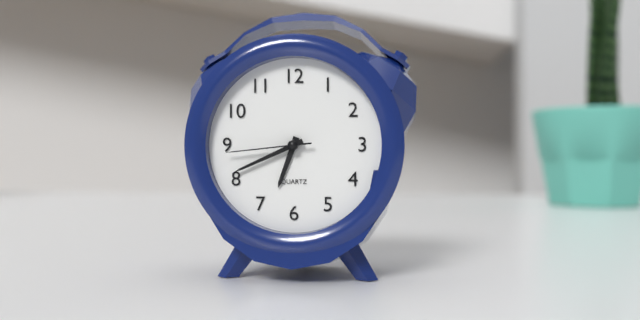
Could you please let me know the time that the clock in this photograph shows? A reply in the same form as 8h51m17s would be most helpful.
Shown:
6h41m44s
